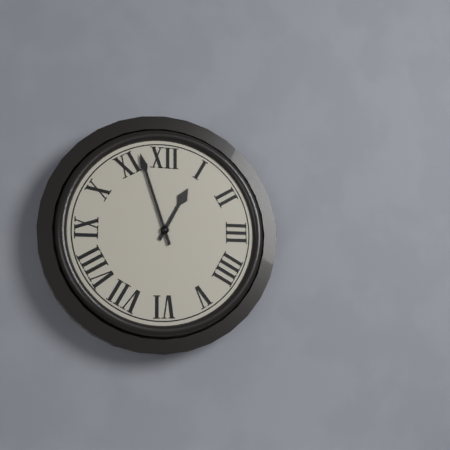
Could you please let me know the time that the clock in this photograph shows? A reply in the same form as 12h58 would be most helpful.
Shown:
12h57
